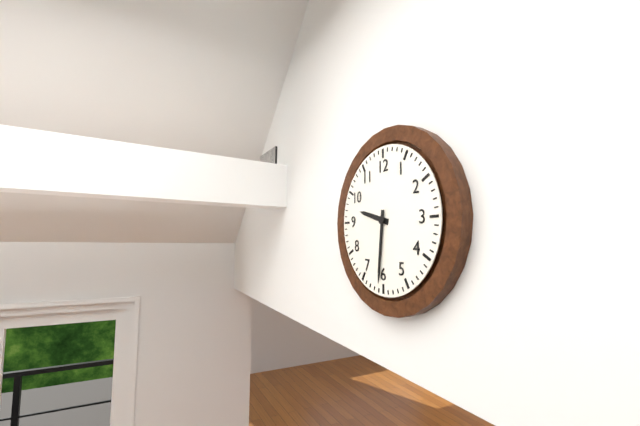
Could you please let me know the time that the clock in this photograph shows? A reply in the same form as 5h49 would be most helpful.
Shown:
9h31
